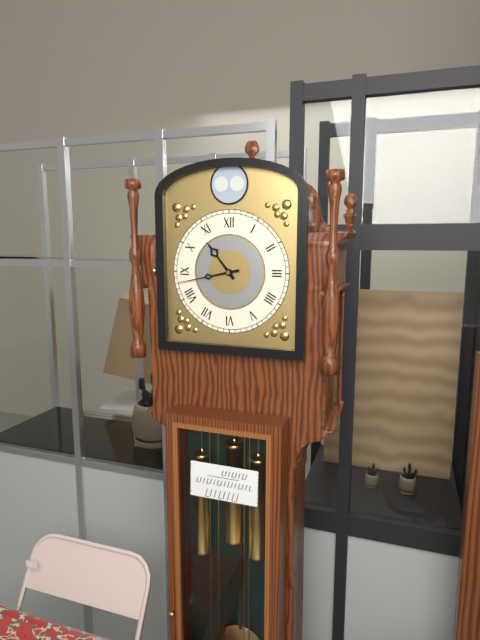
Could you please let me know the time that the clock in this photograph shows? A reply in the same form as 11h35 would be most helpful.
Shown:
10h43
